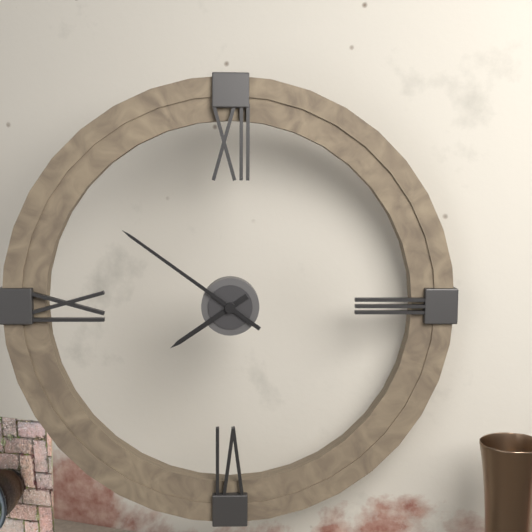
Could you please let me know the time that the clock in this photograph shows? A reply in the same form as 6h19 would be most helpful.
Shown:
7h51
